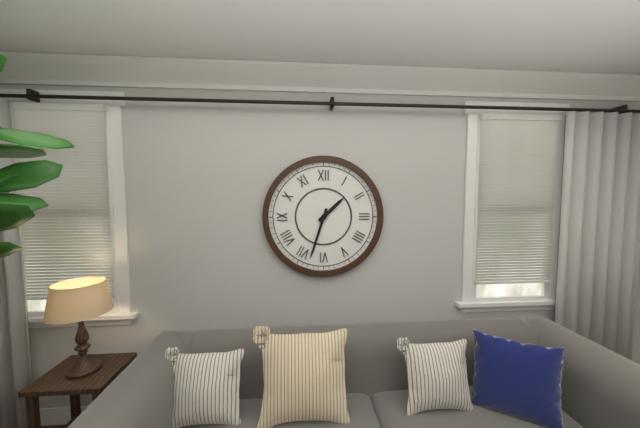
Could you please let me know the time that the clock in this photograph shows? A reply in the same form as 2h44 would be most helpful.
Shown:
1h33
